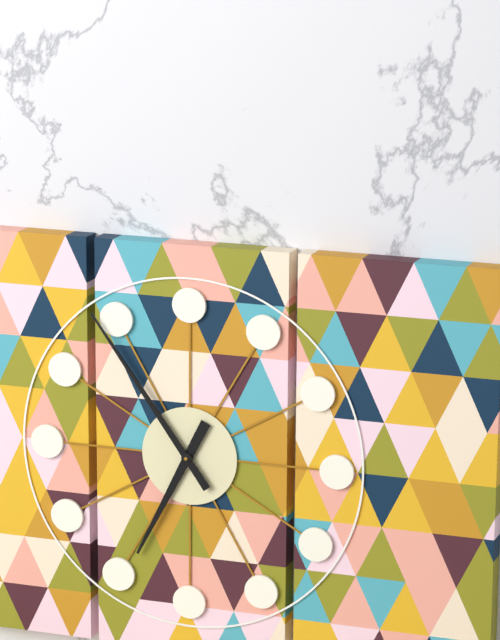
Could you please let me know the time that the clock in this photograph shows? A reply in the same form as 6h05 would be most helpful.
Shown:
6h54
